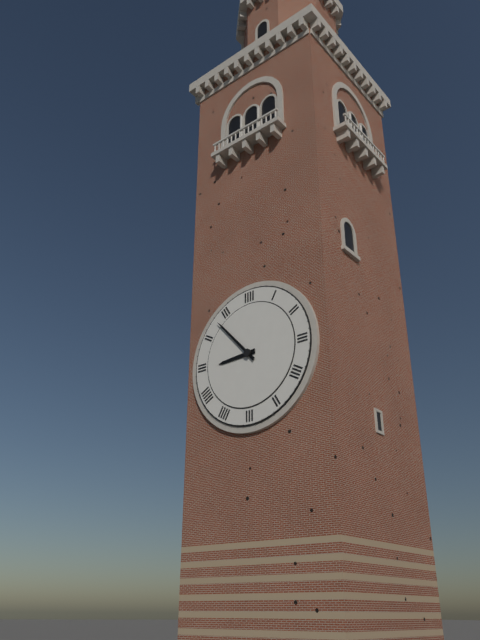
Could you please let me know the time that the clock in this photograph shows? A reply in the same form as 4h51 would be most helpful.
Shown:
8h53
